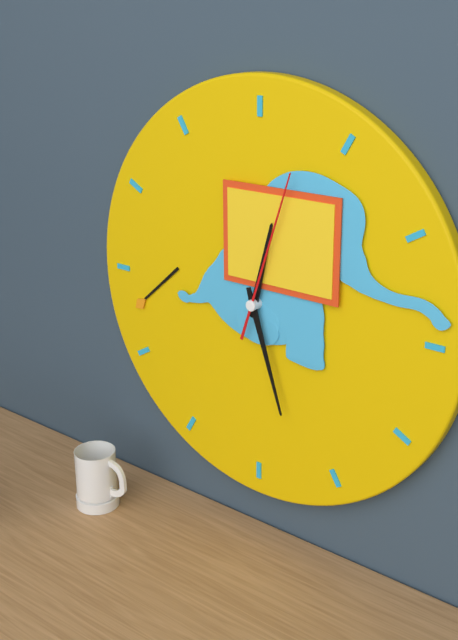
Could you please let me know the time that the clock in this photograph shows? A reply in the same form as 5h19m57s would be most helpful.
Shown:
12h27m03s
